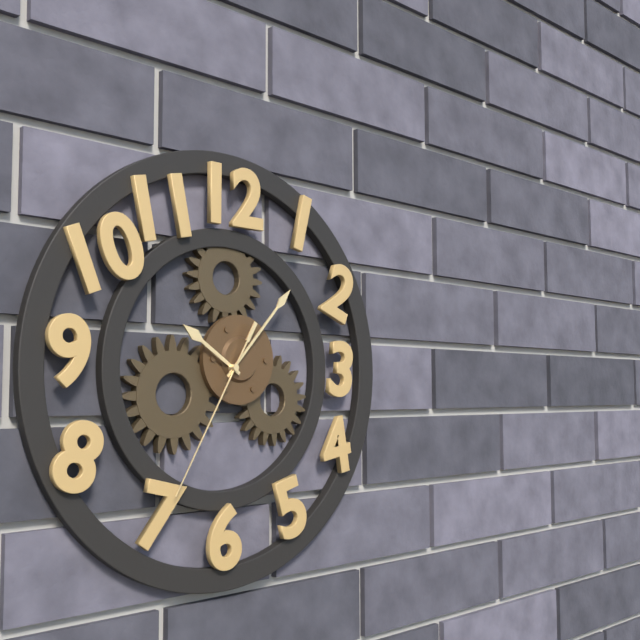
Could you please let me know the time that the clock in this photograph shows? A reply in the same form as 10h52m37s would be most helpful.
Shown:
10h07m35s
